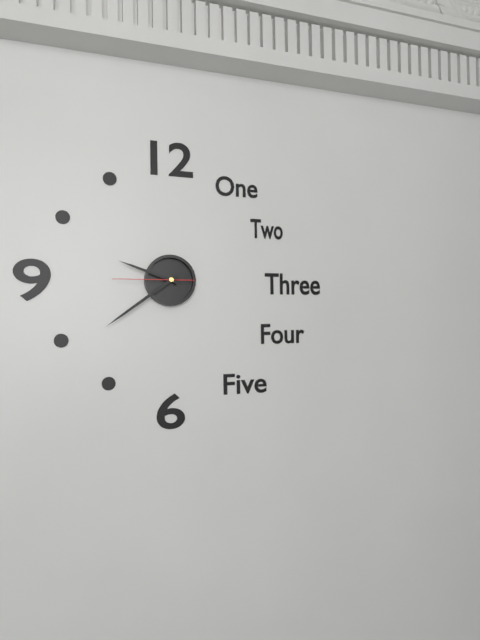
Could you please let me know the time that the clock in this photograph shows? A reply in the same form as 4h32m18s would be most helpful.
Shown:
9h39m45s
